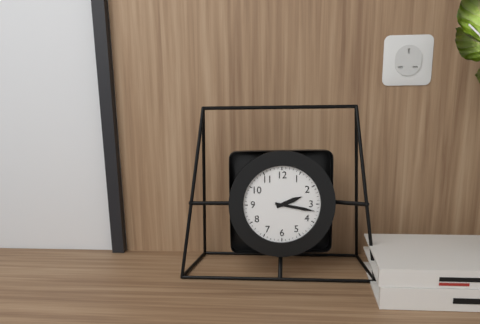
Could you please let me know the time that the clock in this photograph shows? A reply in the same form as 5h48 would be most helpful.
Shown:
2h17
